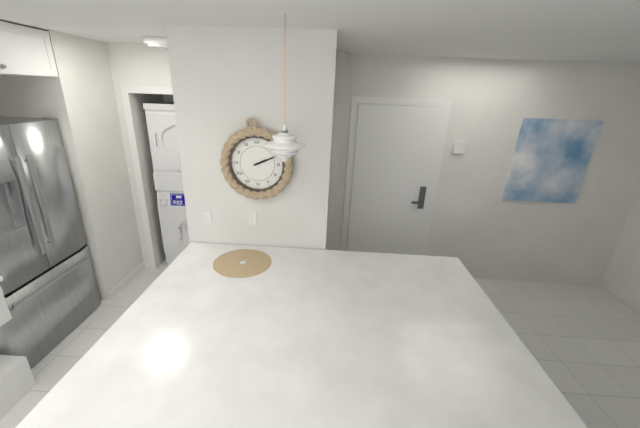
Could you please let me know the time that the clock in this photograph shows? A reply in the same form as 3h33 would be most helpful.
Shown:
2h11
